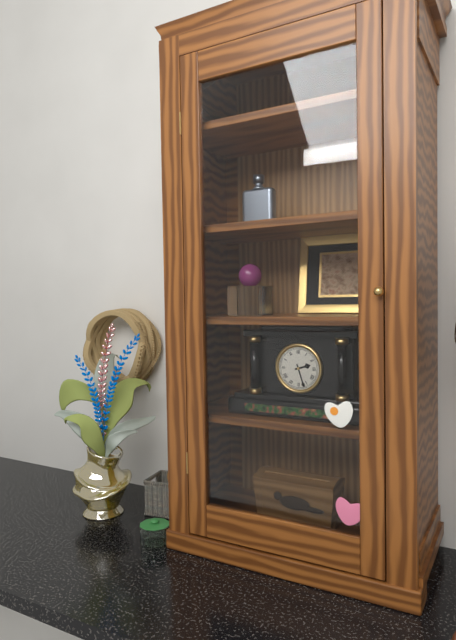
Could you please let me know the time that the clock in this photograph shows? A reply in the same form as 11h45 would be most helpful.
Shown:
2h27
